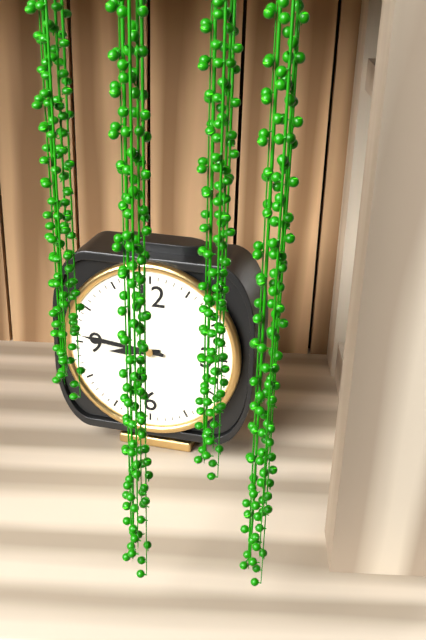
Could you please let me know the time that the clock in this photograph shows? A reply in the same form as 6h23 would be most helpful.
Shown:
8h46
